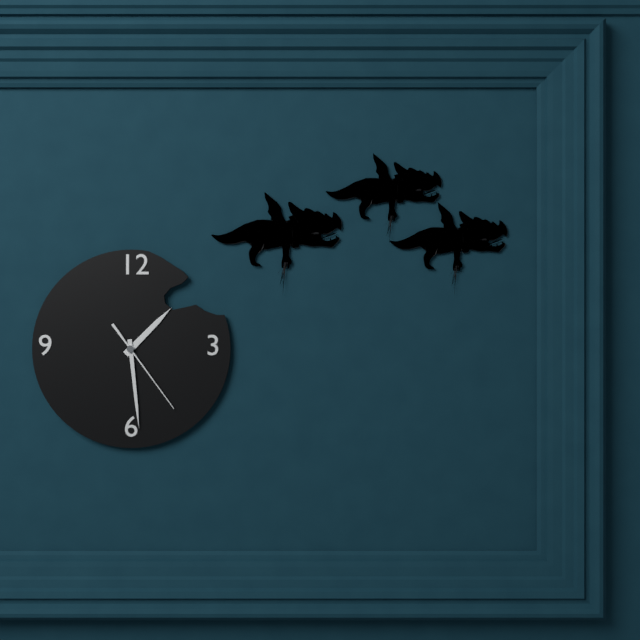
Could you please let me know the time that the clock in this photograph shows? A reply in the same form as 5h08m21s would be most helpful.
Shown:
1h29m24s
